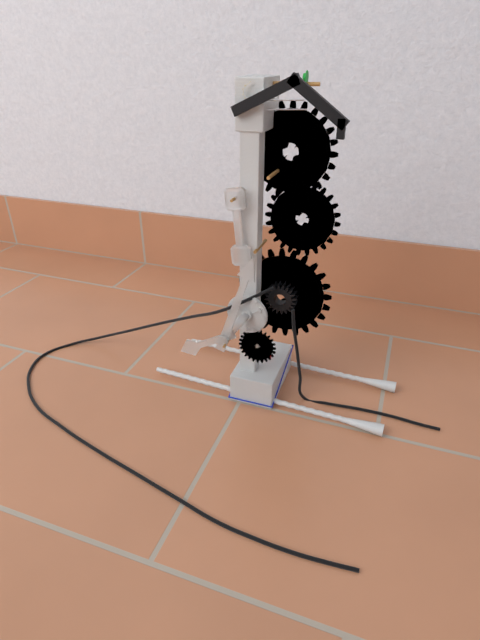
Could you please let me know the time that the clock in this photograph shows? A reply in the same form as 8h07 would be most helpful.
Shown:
8h03
